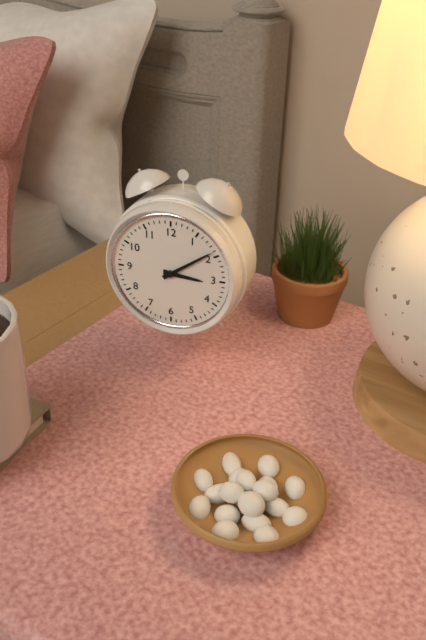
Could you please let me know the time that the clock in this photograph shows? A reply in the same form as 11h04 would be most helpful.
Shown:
3h09
